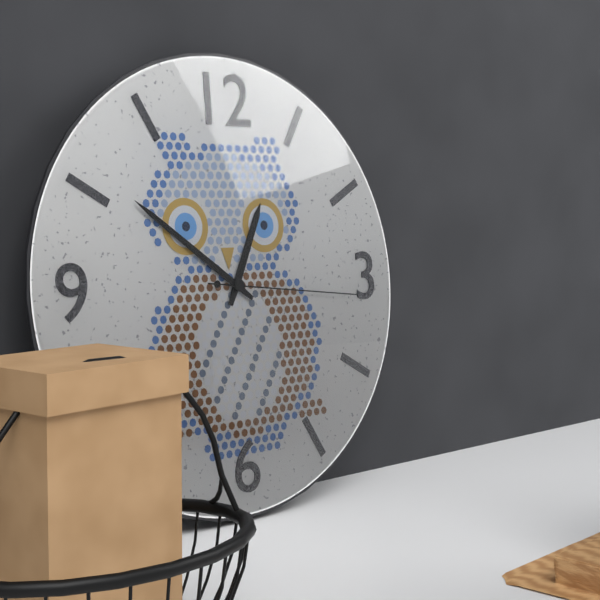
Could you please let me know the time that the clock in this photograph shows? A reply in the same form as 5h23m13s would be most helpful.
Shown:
12h51m16s
